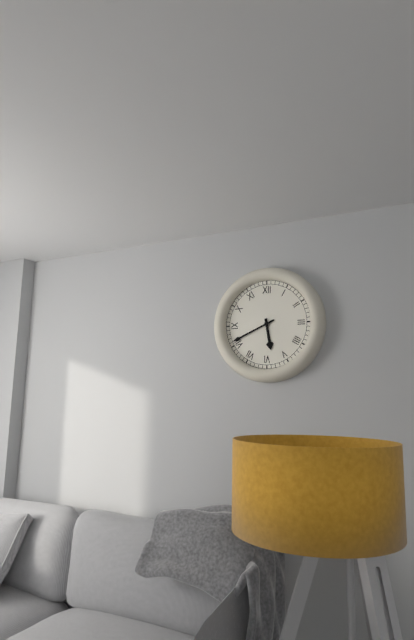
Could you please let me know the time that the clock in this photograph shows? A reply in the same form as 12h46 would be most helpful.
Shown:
5h41
